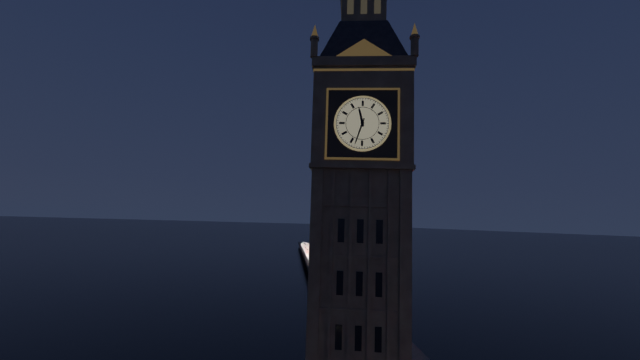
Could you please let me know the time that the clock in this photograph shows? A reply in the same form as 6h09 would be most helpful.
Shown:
11h33
